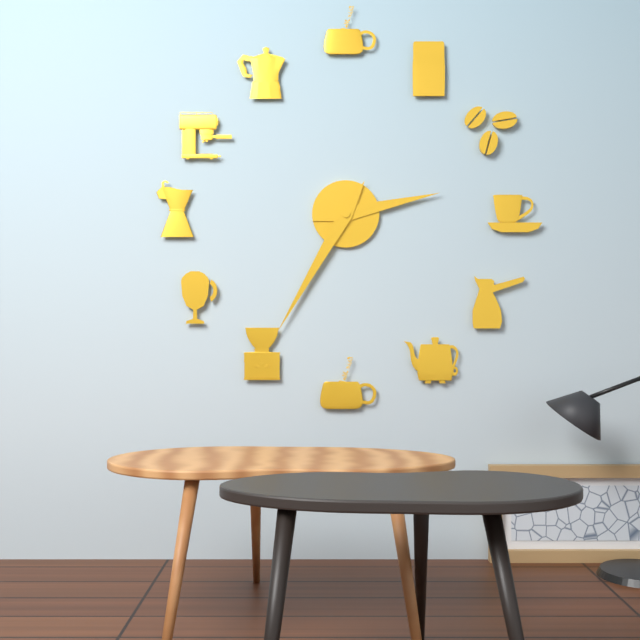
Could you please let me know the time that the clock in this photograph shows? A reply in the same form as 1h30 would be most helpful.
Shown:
2h35
